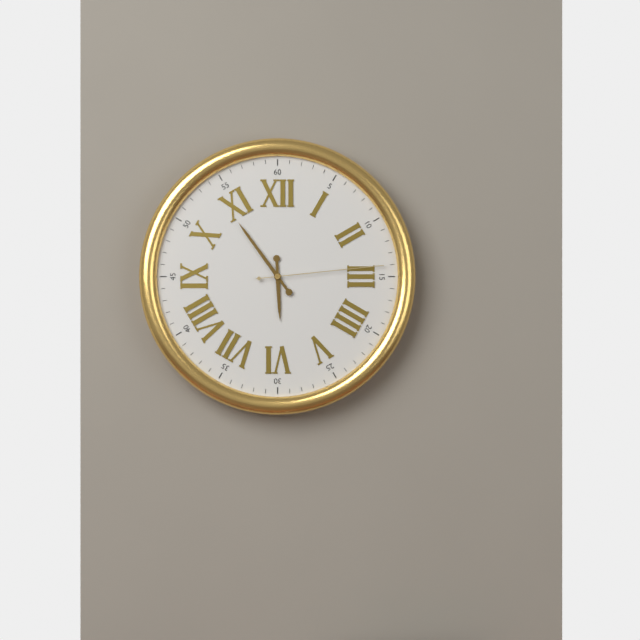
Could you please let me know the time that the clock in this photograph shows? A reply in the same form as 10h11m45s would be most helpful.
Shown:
5h54m14s
